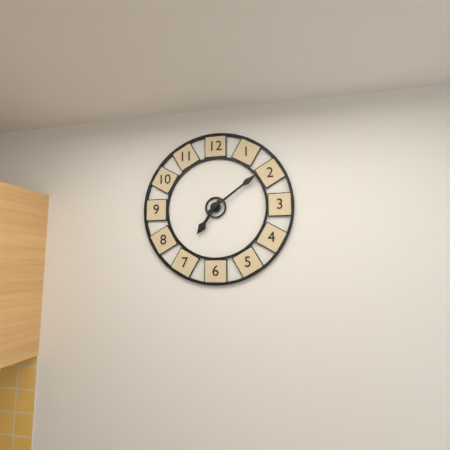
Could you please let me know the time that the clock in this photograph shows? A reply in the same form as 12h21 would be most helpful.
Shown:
7h09
